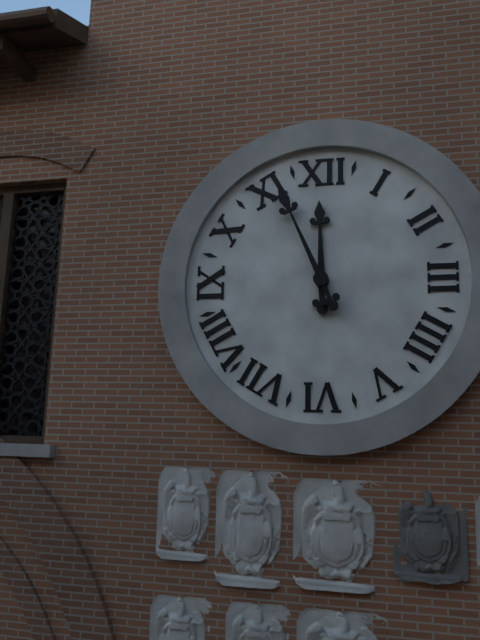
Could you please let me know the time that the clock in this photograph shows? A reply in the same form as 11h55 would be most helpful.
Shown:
11h56
